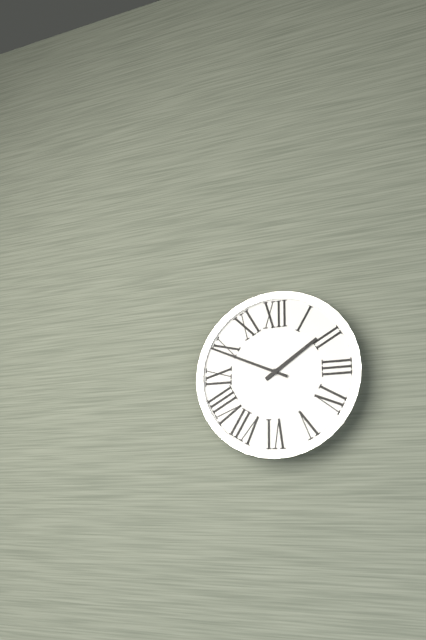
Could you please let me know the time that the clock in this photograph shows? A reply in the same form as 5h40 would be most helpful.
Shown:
1h49
